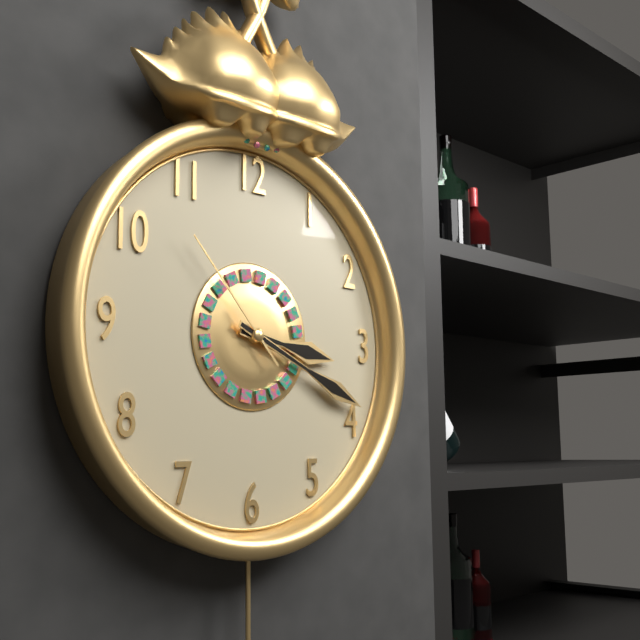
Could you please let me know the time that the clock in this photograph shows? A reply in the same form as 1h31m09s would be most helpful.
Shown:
3h19m53s
